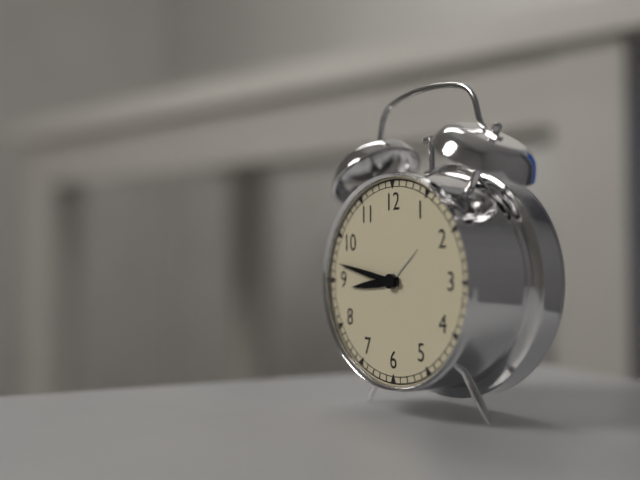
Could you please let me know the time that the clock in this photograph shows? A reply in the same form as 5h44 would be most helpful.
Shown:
8h47
